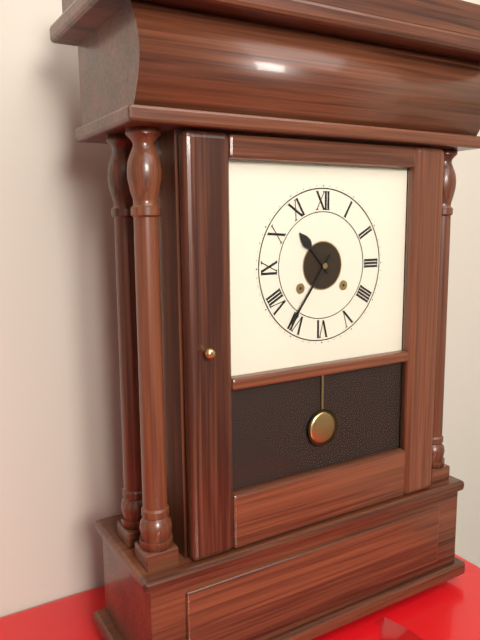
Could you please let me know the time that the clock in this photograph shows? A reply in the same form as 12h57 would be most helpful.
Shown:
10h36
